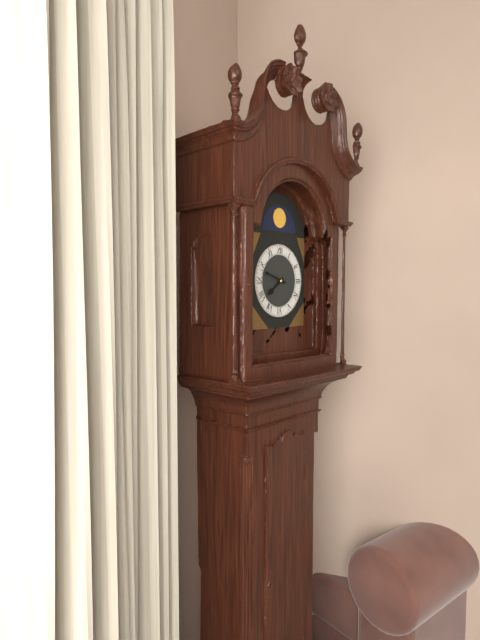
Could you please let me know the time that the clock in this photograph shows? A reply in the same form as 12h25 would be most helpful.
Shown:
7h48
